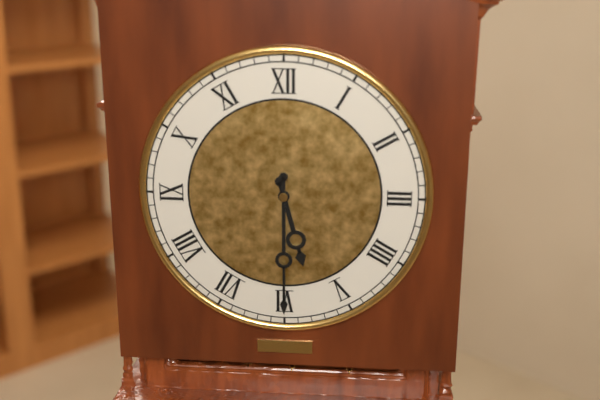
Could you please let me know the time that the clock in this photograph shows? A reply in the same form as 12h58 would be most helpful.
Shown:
5h30
